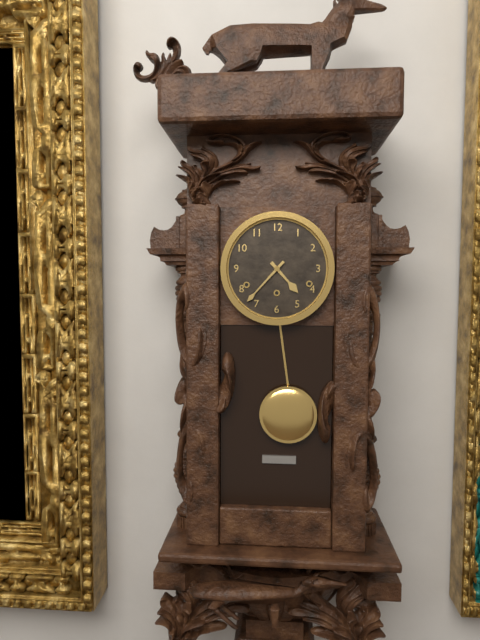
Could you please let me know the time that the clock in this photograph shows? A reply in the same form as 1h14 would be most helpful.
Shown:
4h37
